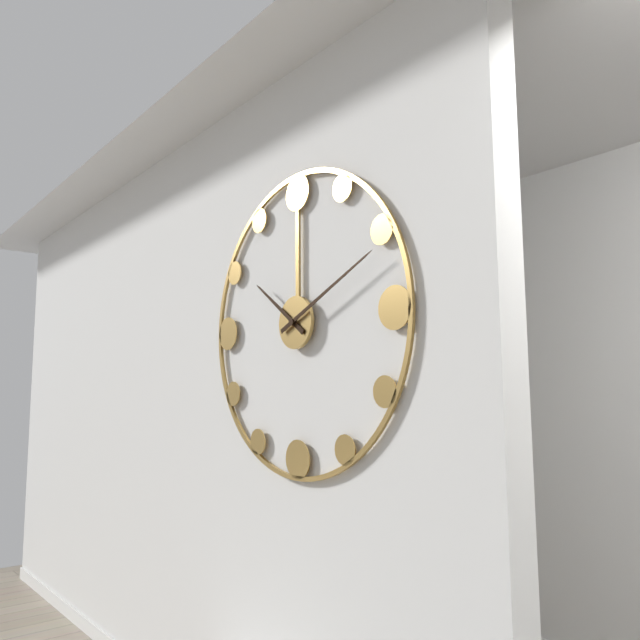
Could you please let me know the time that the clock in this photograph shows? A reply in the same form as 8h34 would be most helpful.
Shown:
10h11
